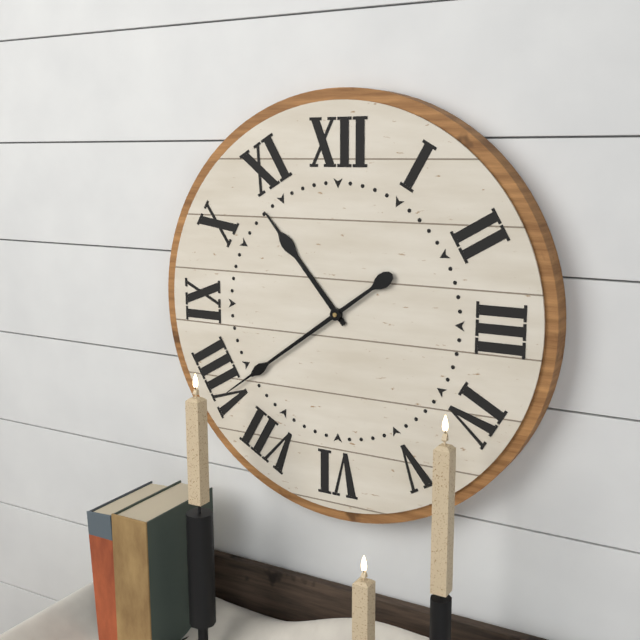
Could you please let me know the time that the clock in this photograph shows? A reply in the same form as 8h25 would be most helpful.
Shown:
10h39
